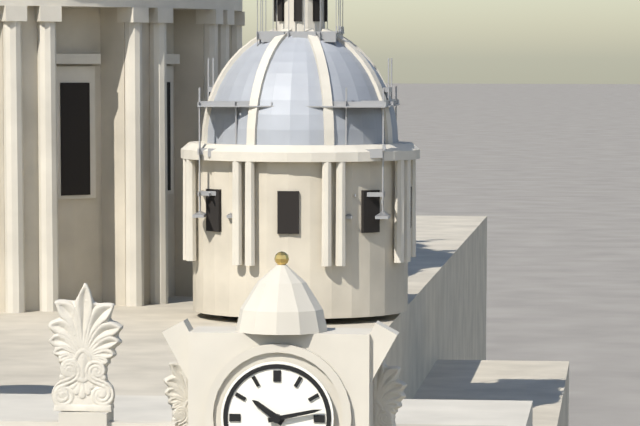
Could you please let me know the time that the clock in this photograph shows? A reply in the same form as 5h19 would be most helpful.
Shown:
10h13
